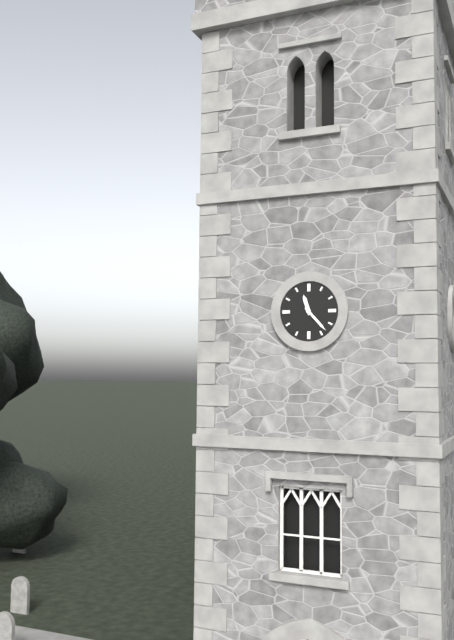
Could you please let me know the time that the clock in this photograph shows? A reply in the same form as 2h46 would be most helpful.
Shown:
11h23
